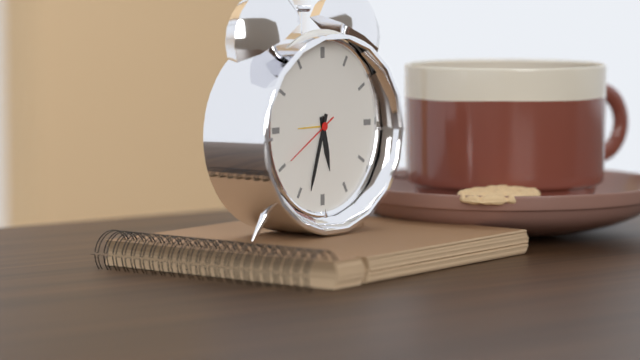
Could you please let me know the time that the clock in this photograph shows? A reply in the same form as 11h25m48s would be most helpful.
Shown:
5h33m40s
